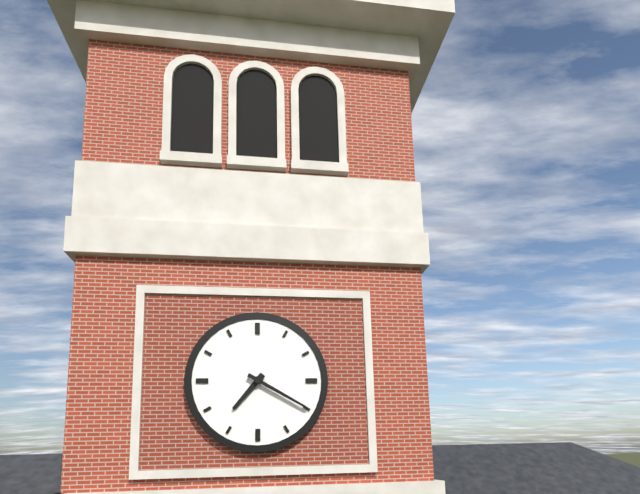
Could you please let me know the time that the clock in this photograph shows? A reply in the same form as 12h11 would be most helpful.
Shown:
7h20
